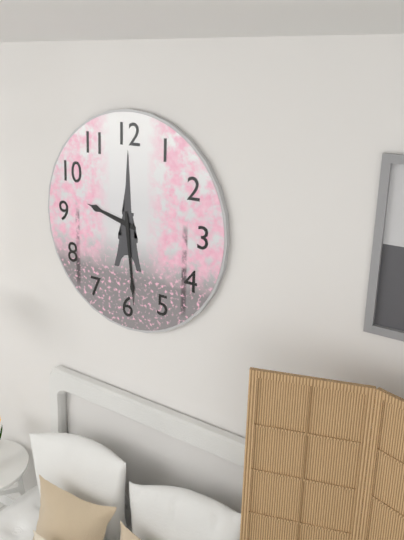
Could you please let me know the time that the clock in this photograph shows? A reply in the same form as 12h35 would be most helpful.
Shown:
9h29
